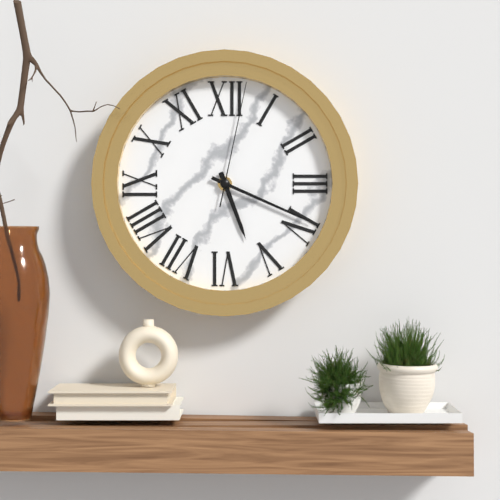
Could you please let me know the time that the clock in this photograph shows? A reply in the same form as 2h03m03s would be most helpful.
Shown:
5h19m02s
